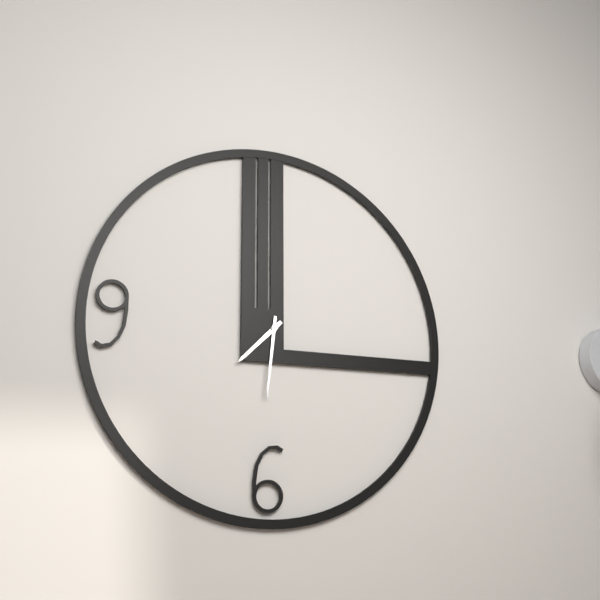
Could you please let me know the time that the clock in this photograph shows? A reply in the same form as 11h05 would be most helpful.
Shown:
7h31
